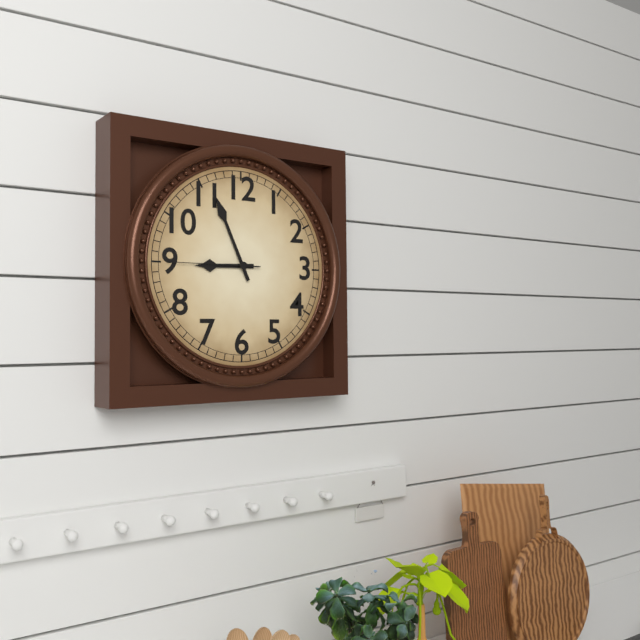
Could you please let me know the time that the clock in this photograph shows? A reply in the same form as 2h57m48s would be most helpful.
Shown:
8h56m45s
